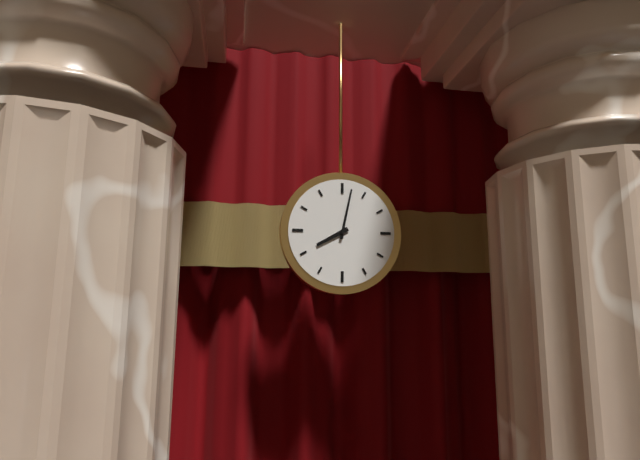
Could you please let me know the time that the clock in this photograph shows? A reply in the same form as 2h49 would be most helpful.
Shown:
8h02
